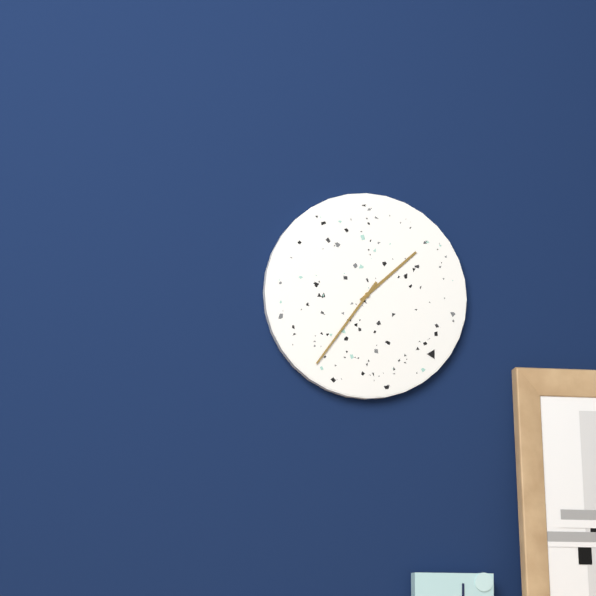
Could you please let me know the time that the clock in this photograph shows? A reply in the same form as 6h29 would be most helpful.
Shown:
1h36
